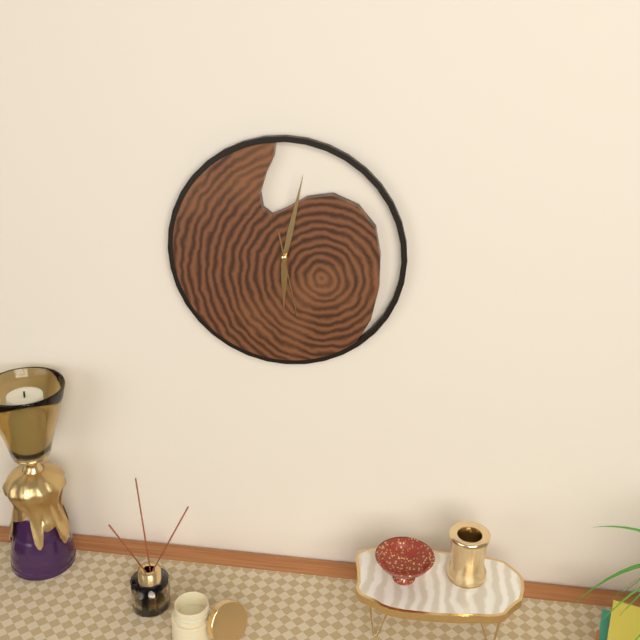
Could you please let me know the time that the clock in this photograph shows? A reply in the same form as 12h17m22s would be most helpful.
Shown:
6h02m28s
